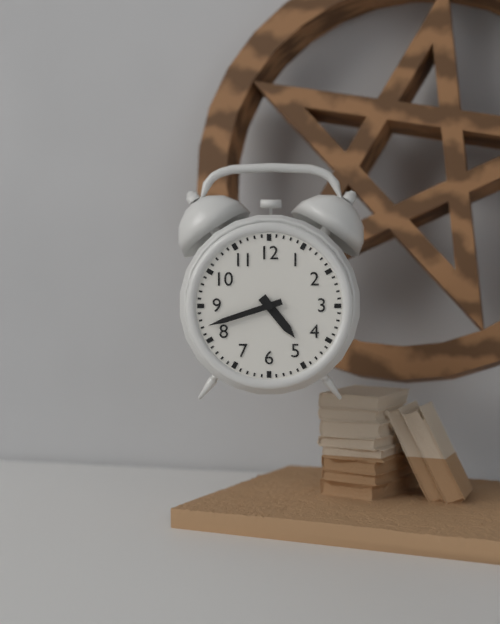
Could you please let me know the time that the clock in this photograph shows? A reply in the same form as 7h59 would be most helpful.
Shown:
4h42
